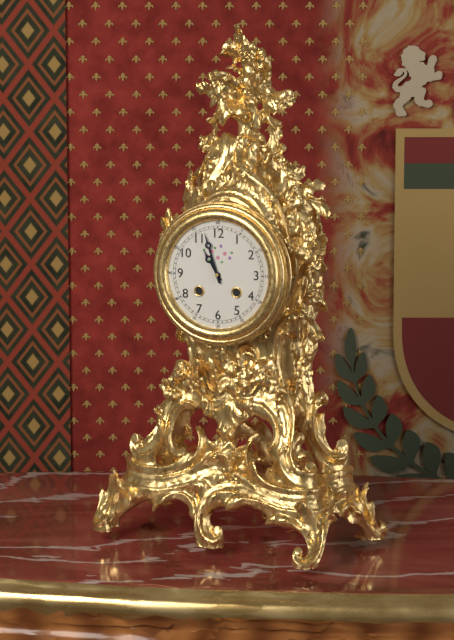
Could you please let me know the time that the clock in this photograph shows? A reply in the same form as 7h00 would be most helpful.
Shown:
10h57
